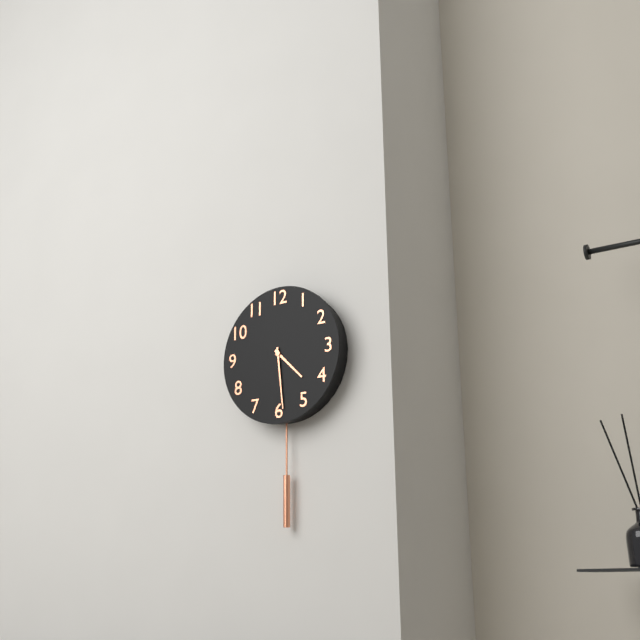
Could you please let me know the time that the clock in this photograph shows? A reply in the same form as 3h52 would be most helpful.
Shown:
4h29
